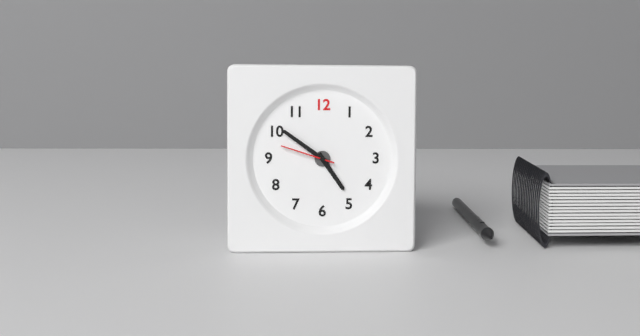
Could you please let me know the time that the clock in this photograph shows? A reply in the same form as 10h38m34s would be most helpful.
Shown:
4h51m48s
